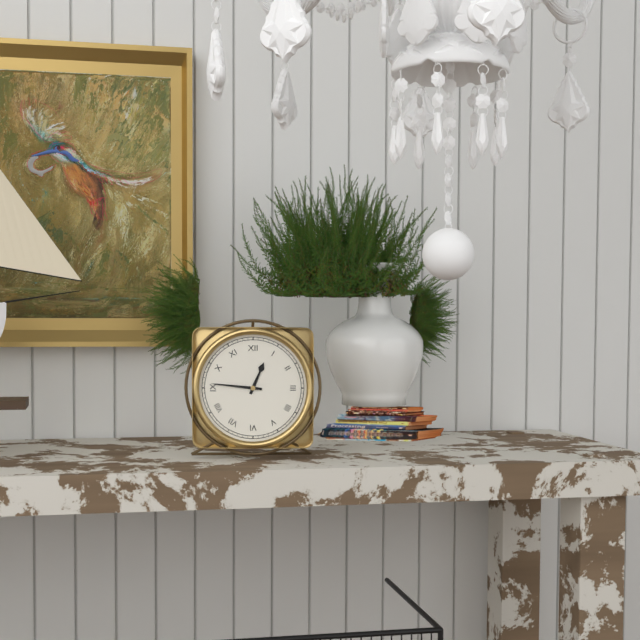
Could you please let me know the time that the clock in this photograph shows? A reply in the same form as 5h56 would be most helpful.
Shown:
12h46
